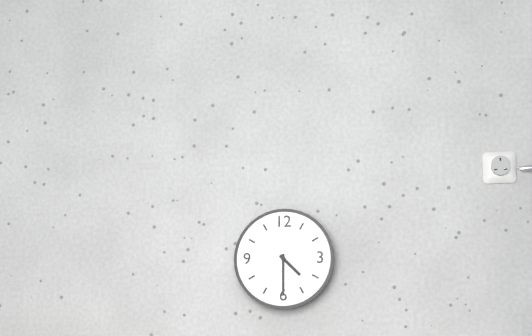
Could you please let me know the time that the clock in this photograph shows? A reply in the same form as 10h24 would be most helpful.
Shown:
4h30
